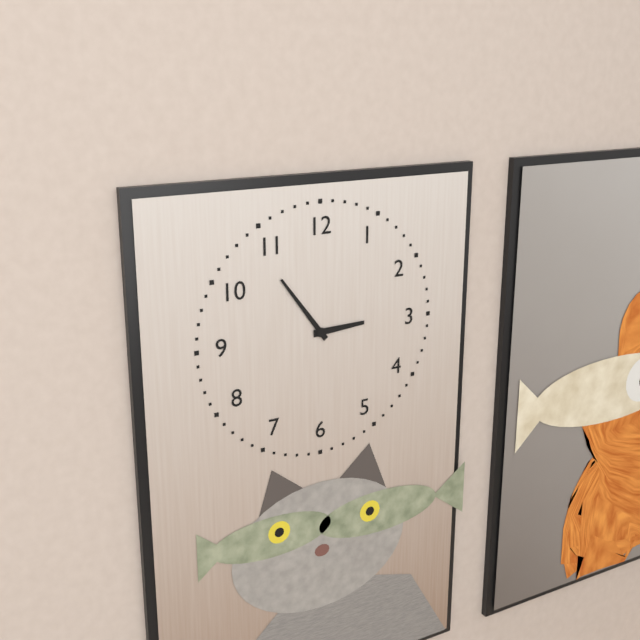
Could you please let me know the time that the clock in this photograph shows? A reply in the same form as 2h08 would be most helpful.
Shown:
2h54
